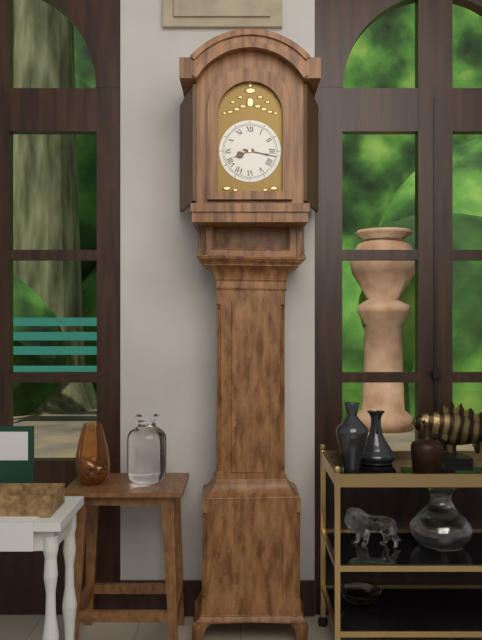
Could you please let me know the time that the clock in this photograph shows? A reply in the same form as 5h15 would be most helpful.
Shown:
8h17
